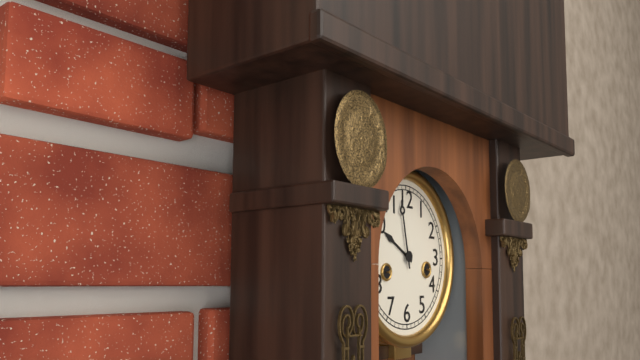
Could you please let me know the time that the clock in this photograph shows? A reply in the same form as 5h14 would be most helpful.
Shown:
9h58
